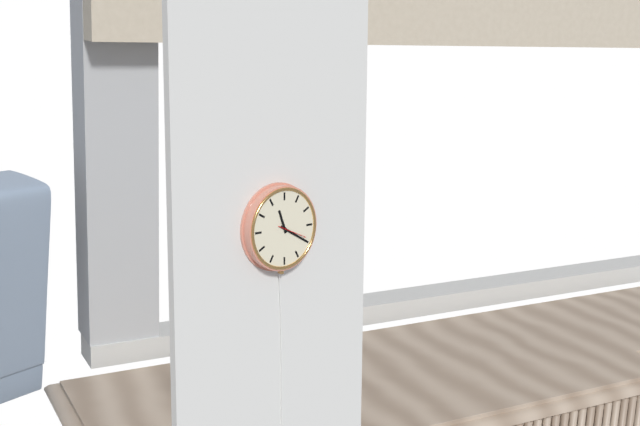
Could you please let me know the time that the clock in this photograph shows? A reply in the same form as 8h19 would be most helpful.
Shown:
11h20
